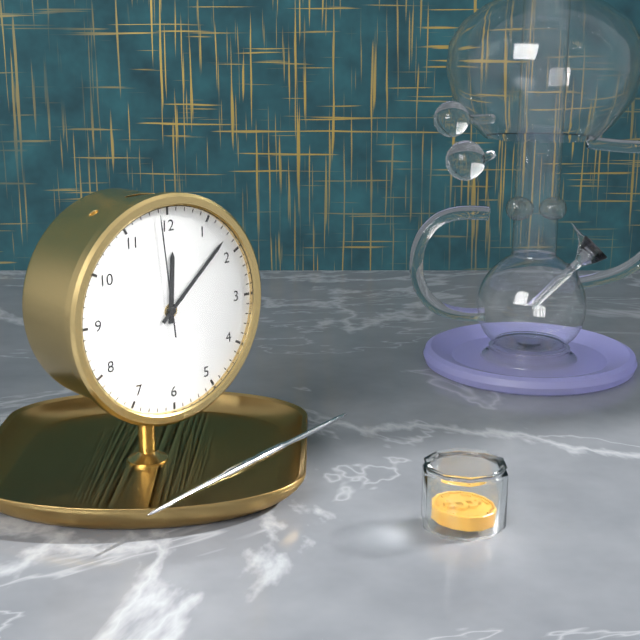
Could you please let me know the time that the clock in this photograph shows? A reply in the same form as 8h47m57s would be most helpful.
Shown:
12h08m59s
